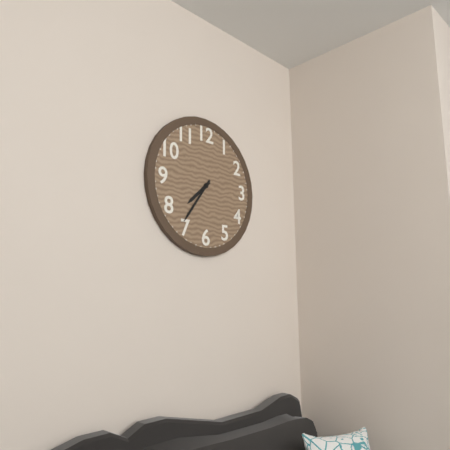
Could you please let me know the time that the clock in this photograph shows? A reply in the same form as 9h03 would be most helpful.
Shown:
7h36
